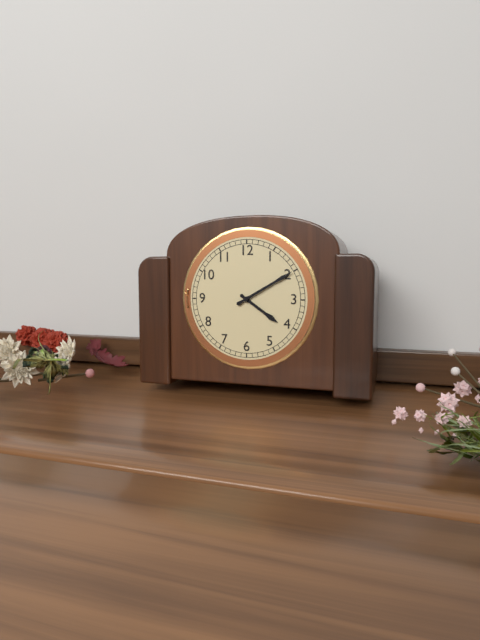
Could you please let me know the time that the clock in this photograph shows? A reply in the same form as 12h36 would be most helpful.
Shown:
4h10
